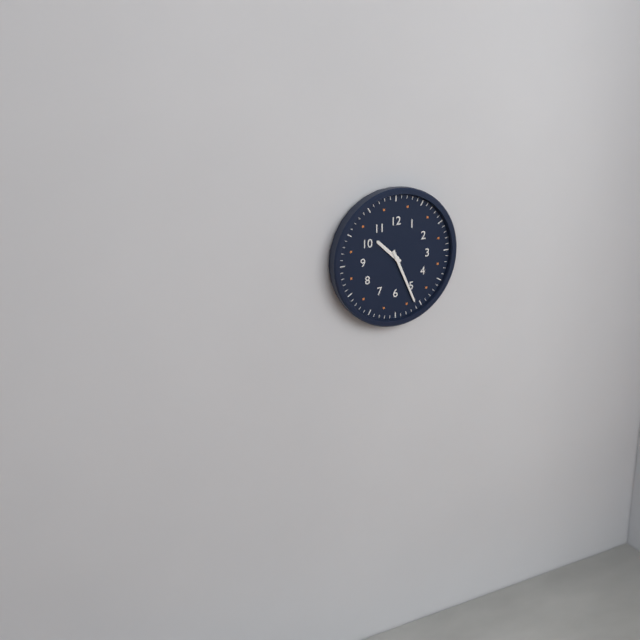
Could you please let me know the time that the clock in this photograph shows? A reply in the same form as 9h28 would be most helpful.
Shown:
10h26
